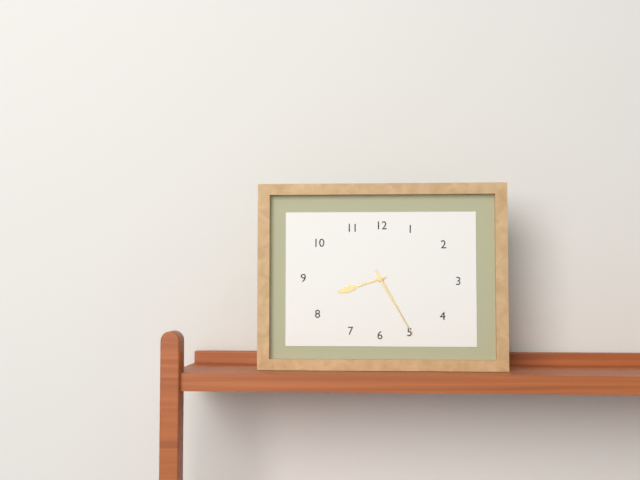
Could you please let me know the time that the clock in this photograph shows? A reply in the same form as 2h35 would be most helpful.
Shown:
8h25
